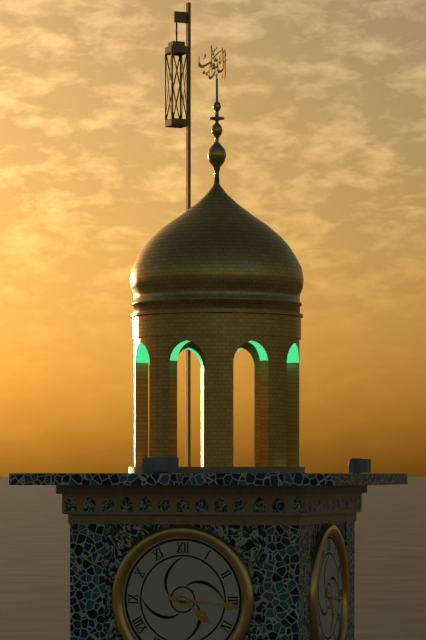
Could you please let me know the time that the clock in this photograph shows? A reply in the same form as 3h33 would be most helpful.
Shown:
4h16
